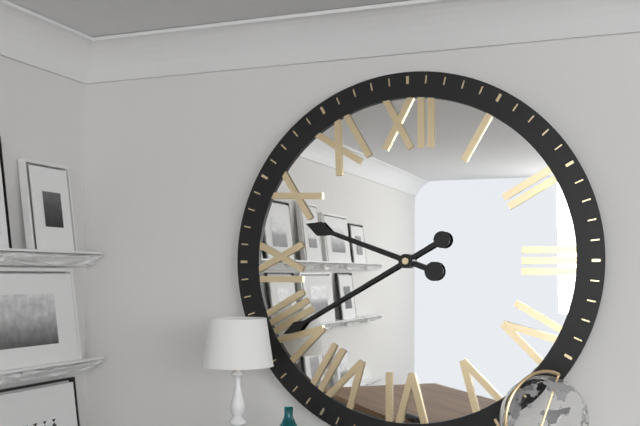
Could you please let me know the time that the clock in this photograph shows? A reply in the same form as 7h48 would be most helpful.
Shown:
9h40
